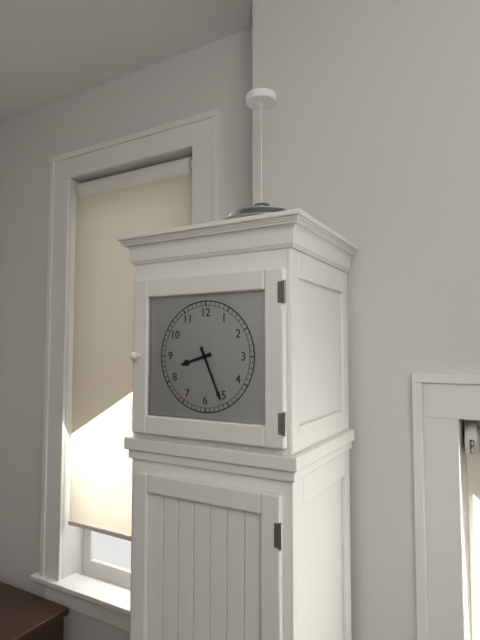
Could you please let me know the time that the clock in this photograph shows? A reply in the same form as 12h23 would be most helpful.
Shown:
8h26
